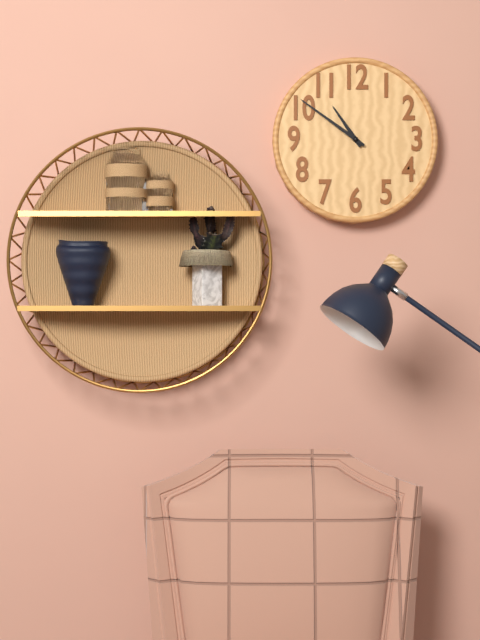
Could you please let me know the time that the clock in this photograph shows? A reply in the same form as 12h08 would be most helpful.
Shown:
10h51
